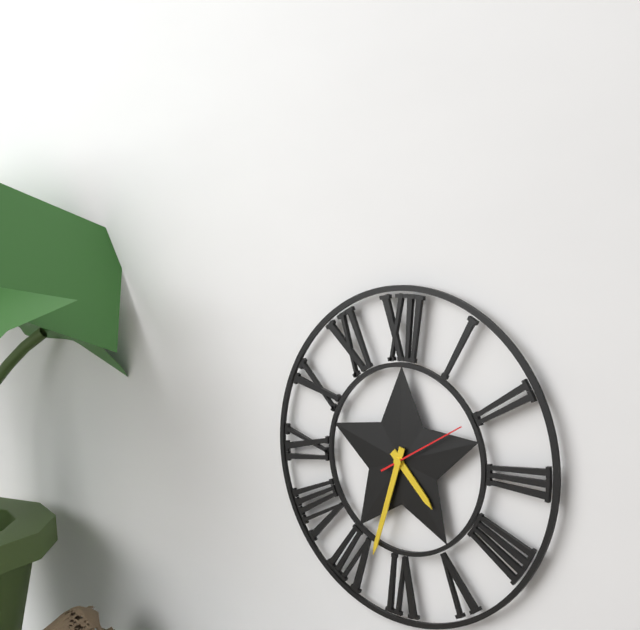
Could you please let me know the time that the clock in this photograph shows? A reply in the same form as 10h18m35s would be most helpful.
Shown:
4h33m10s
